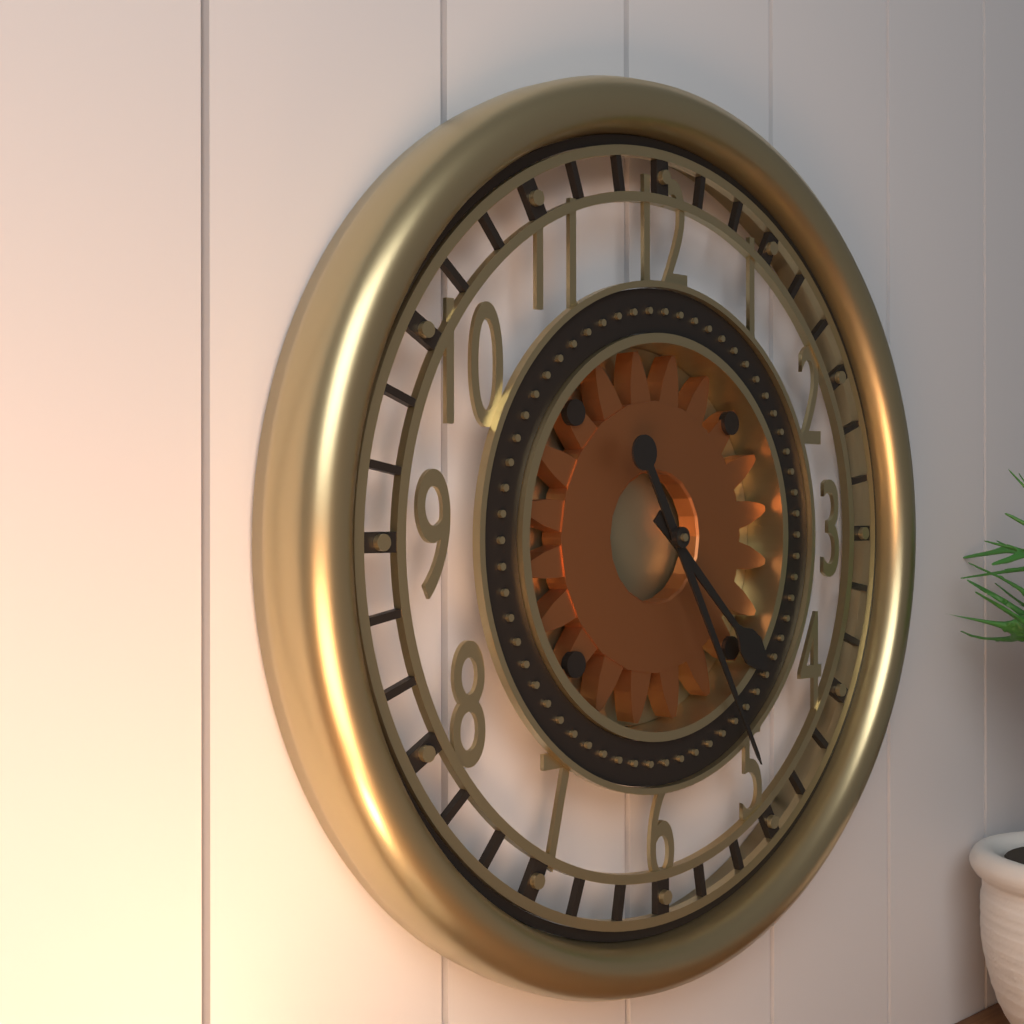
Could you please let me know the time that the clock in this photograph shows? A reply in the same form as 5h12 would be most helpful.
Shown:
4h25
